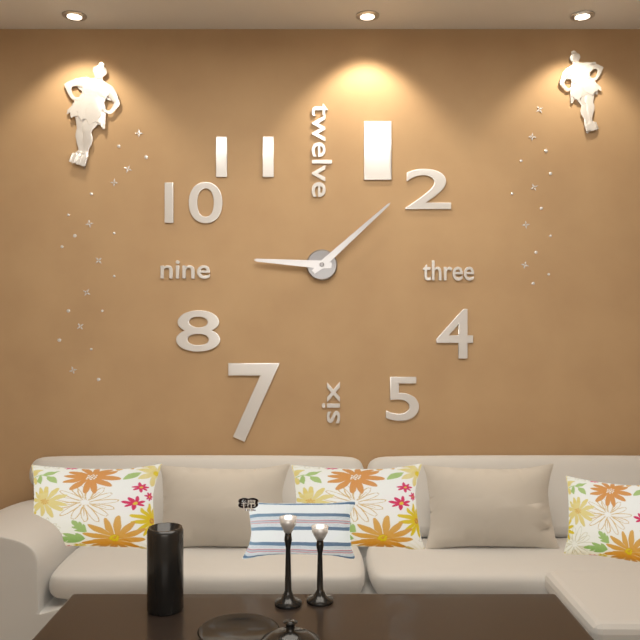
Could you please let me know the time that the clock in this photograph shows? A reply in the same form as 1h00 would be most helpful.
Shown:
9h08
